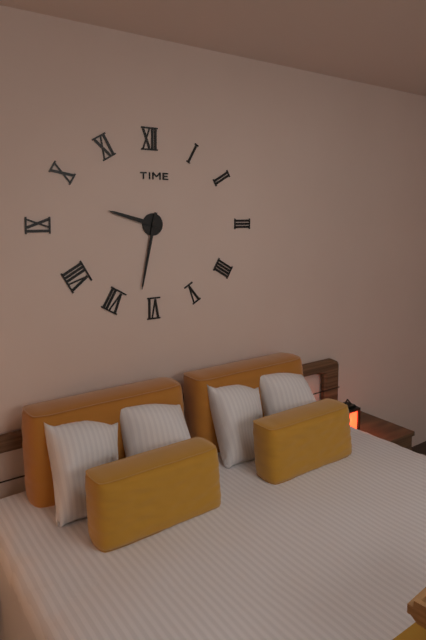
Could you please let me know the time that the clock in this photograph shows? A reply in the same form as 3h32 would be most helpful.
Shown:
9h32
